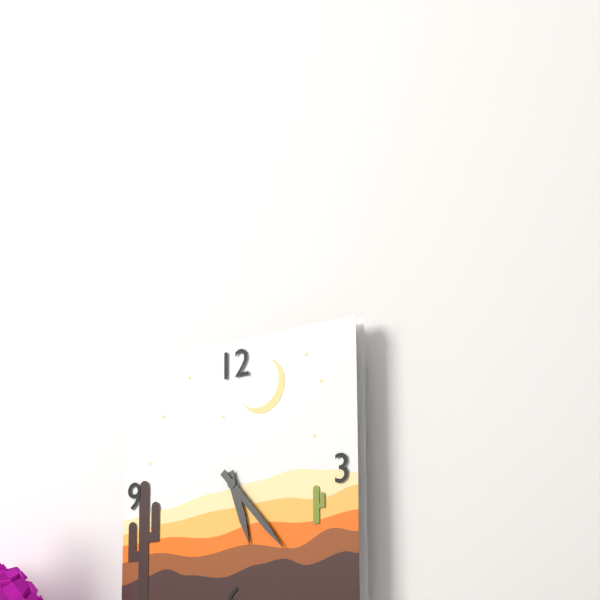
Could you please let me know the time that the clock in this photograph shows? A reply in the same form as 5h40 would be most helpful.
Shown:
5h23
